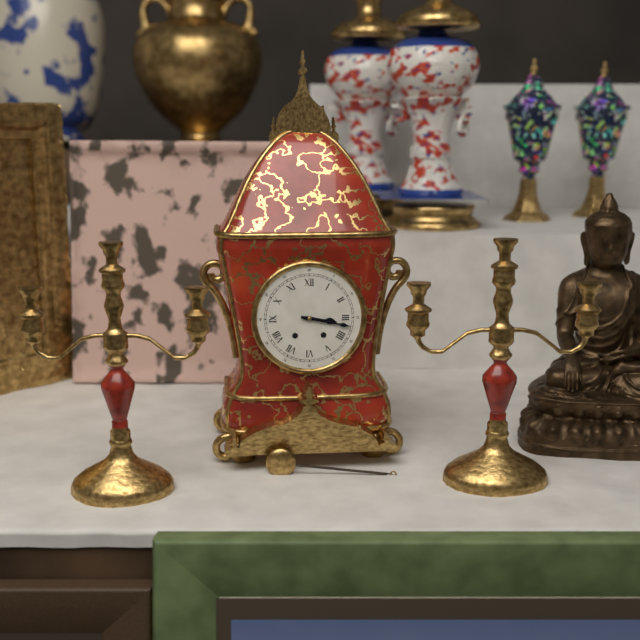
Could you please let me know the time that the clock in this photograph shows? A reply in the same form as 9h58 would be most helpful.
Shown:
3h17
